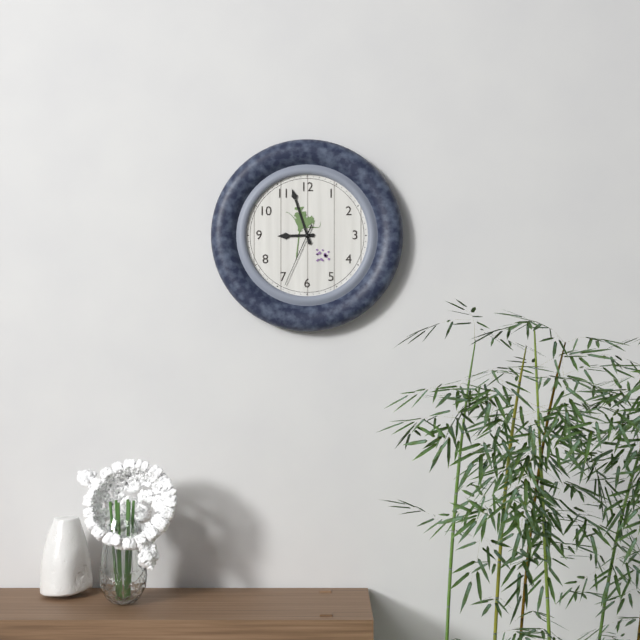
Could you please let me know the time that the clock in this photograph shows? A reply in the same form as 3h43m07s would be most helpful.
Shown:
8h57m34s
